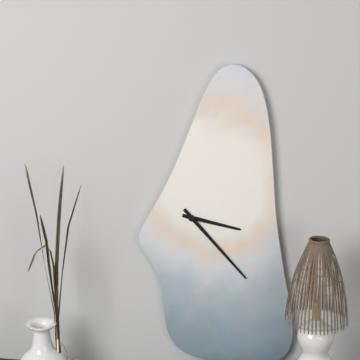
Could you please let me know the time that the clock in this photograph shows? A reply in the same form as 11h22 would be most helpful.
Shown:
3h23
